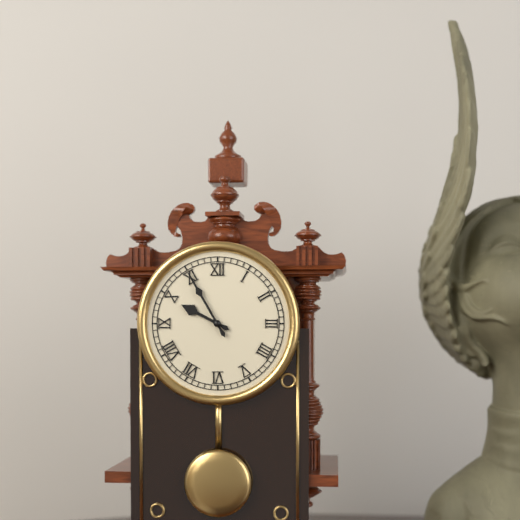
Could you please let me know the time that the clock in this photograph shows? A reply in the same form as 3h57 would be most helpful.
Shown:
9h55
